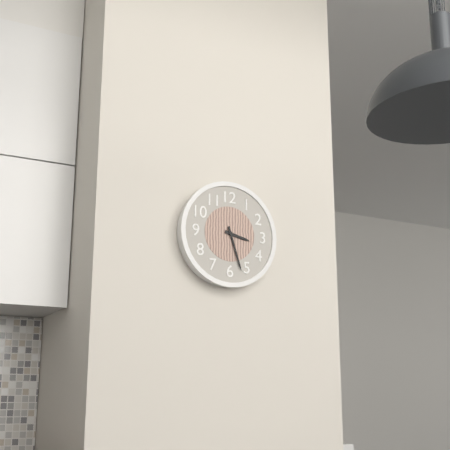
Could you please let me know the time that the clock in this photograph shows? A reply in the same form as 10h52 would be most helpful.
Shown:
3h27
